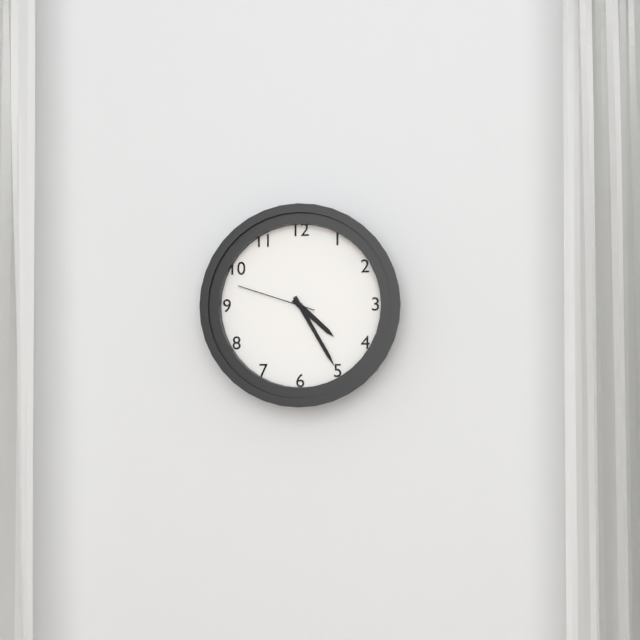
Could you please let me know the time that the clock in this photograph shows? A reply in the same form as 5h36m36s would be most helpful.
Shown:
4h25m48s
